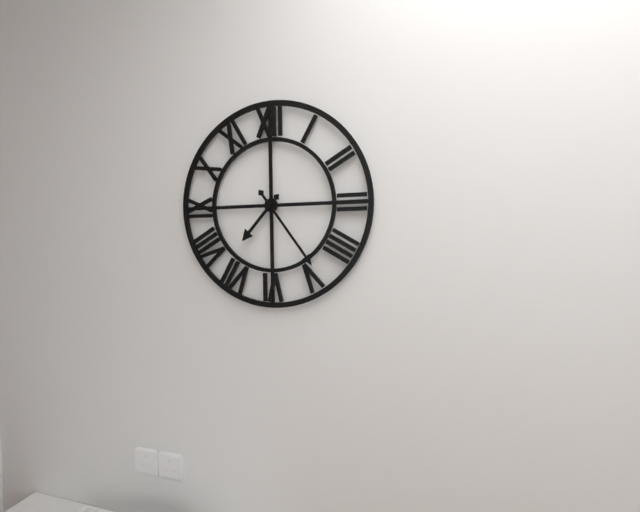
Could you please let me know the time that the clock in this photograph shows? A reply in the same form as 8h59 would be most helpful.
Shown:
7h24
